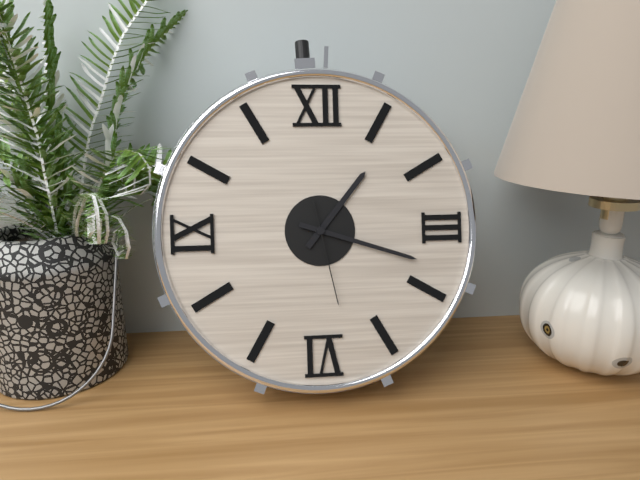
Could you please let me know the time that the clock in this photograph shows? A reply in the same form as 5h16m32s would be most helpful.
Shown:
1h18m28s
